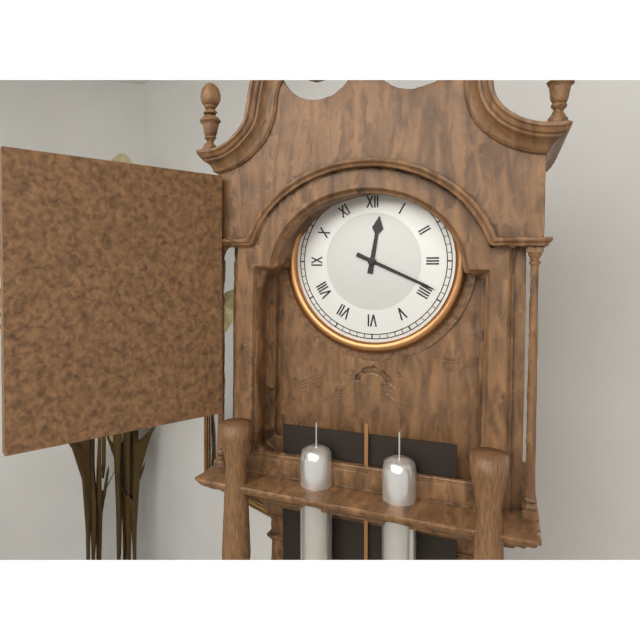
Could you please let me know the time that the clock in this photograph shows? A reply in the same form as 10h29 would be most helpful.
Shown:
12h19
